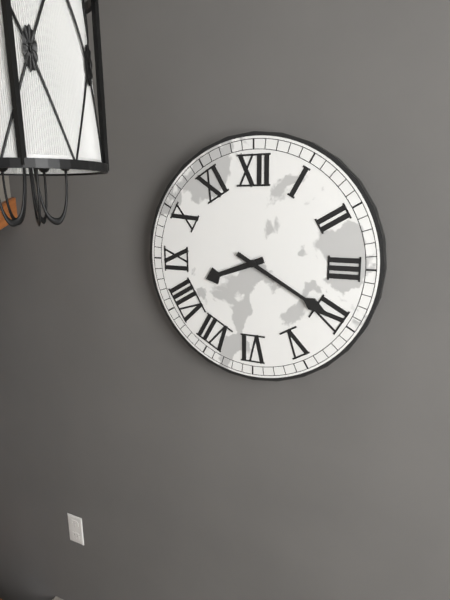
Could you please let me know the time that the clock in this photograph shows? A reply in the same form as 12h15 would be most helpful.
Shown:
8h20
